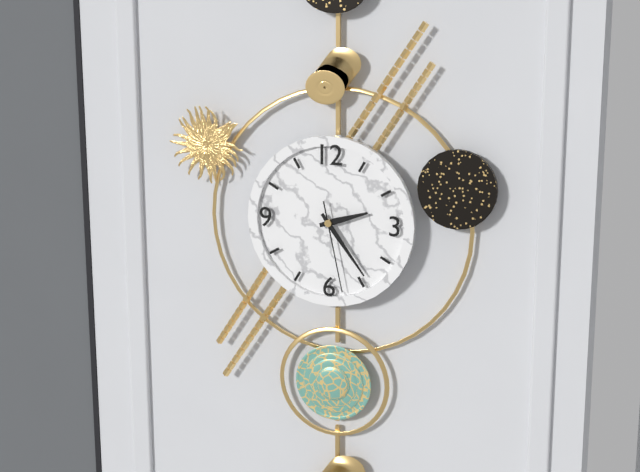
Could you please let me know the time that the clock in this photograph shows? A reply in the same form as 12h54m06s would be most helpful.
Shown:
2h24m28s
